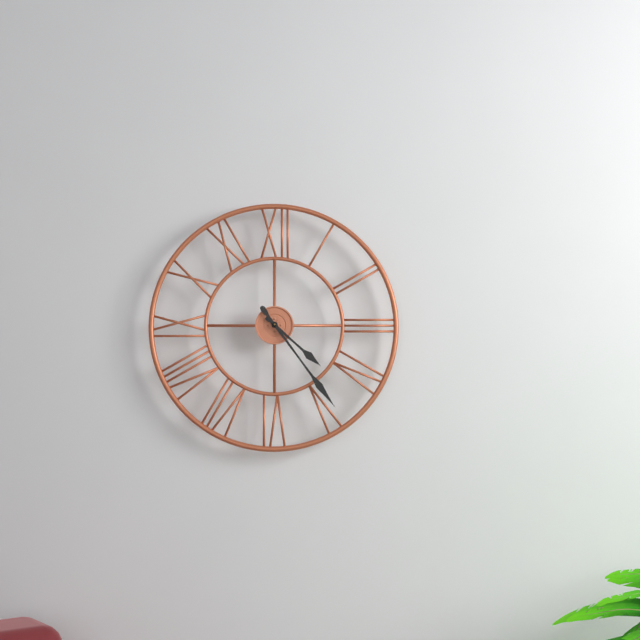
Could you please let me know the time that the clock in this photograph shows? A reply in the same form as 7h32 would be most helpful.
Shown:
4h24
